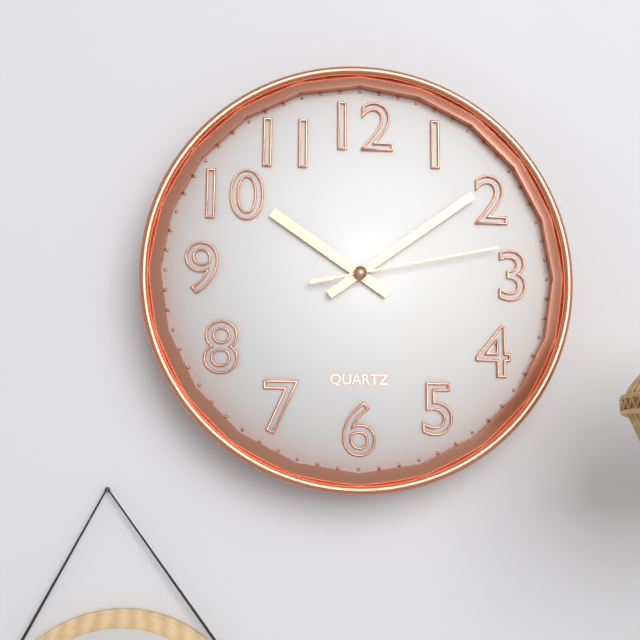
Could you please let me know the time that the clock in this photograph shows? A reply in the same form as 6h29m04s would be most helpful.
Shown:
10h09m13s
